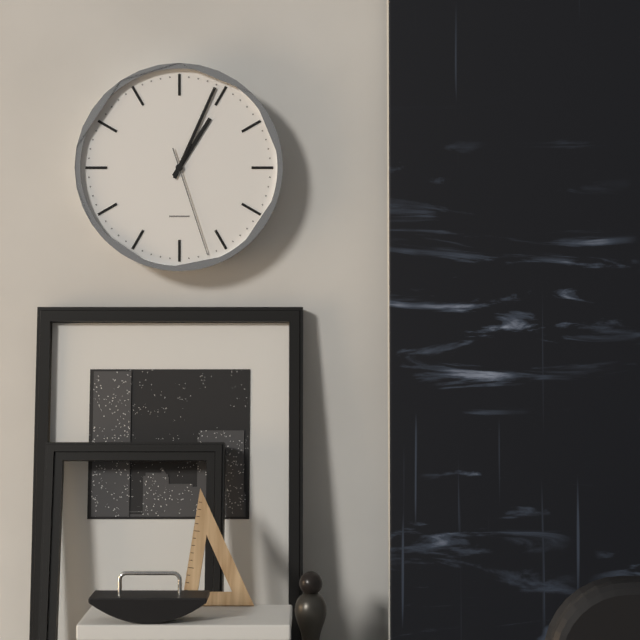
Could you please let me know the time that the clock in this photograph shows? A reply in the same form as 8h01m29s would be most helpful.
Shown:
1h04m27s
